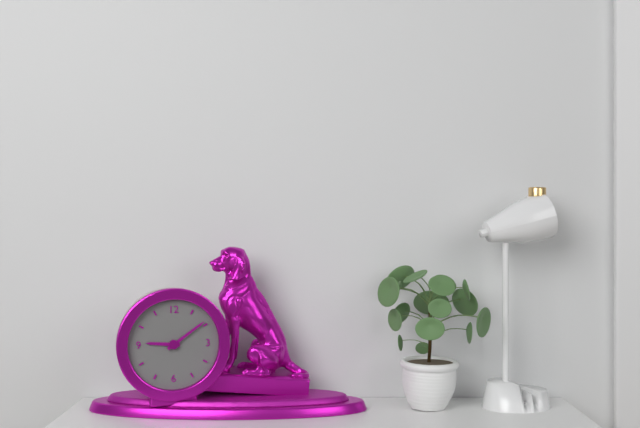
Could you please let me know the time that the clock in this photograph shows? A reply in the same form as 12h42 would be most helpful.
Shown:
9h09
